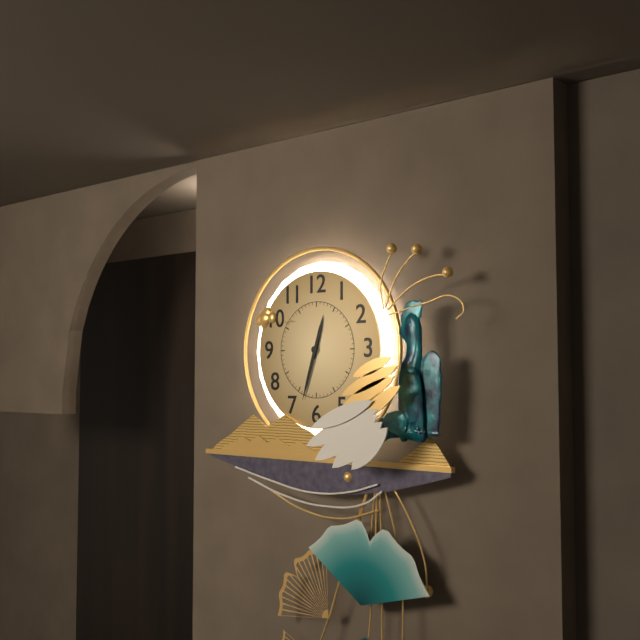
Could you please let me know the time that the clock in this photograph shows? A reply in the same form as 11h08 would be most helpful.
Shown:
12h33
